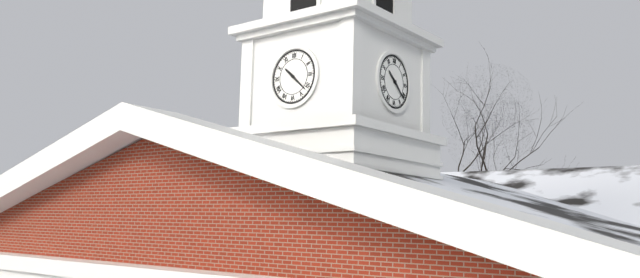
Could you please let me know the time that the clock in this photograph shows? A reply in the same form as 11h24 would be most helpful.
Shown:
10h22
